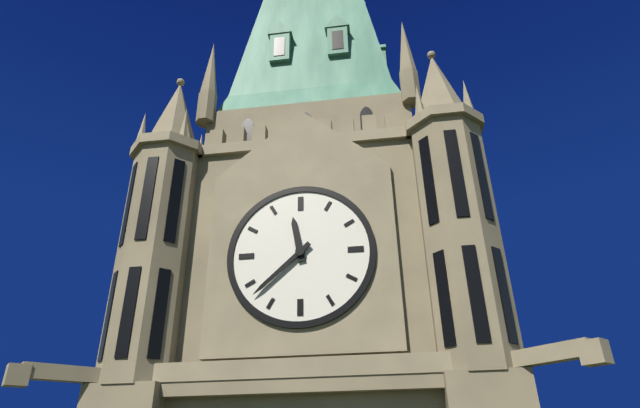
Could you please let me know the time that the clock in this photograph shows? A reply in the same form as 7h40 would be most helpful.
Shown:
11h38
